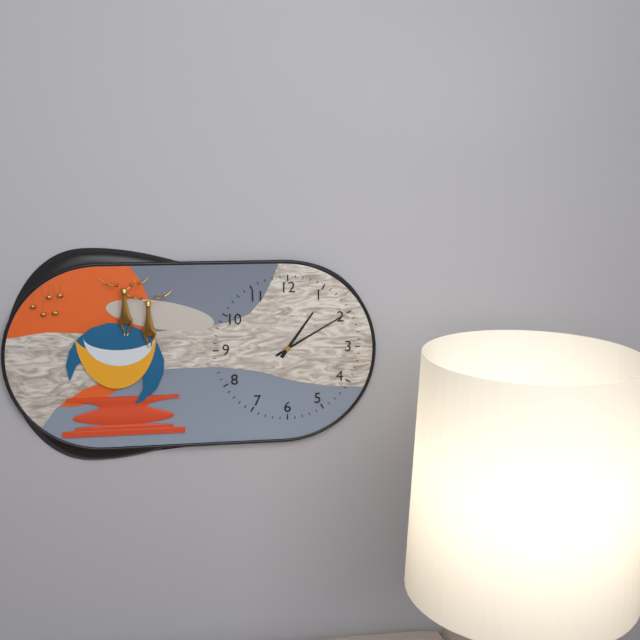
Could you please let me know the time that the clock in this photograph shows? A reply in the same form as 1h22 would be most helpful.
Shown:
1h10
